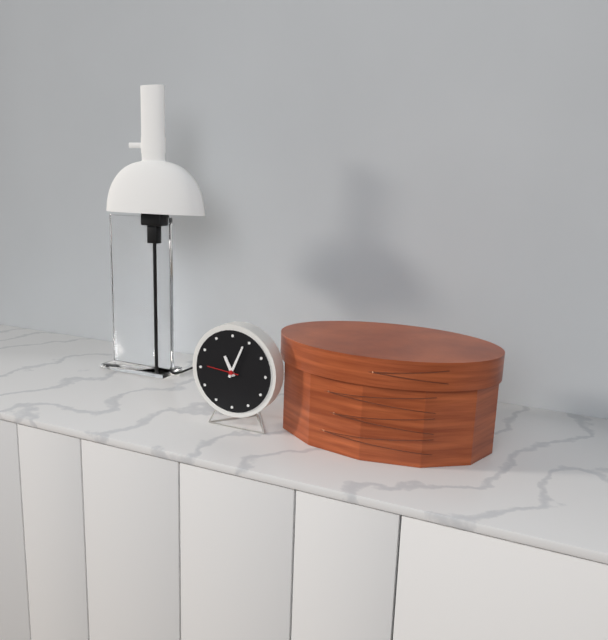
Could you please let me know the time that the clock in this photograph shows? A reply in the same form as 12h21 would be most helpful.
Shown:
11h04
